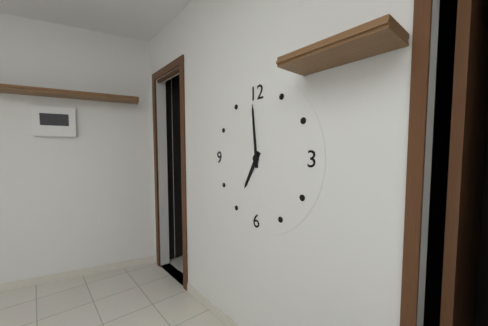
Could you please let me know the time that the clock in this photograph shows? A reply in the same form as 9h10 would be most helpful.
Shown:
6h59
